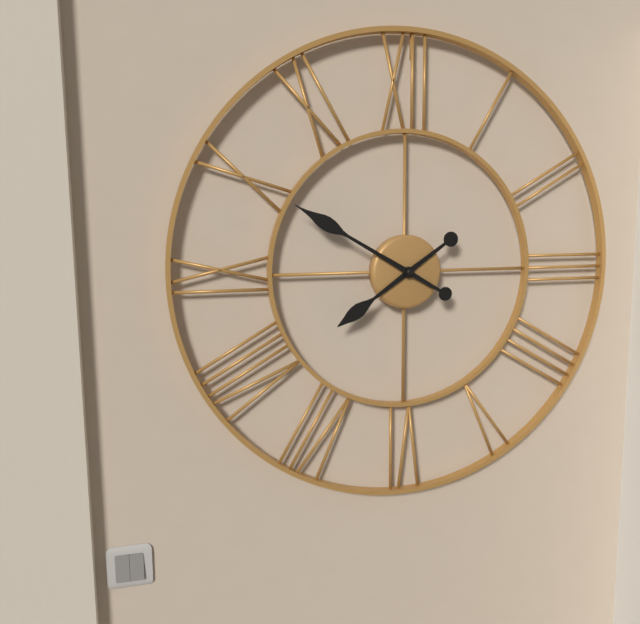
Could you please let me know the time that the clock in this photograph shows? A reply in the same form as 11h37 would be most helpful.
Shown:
7h50
